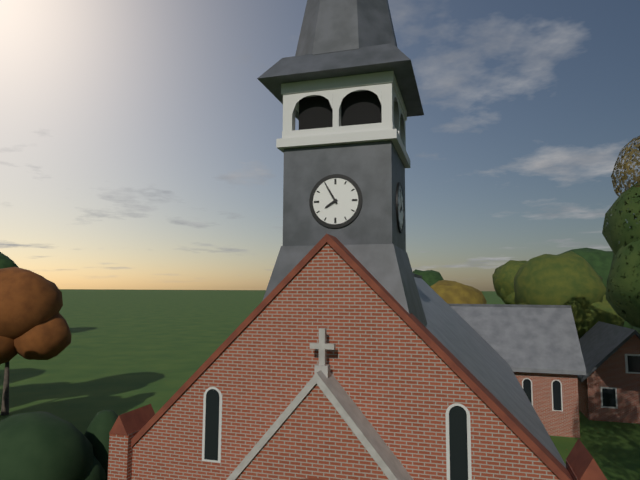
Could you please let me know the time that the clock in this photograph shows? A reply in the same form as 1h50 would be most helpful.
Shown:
7h55
